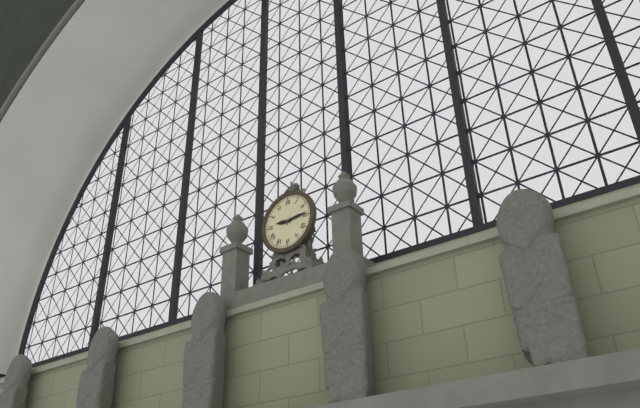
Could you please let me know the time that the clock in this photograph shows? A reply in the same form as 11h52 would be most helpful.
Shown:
9h14
